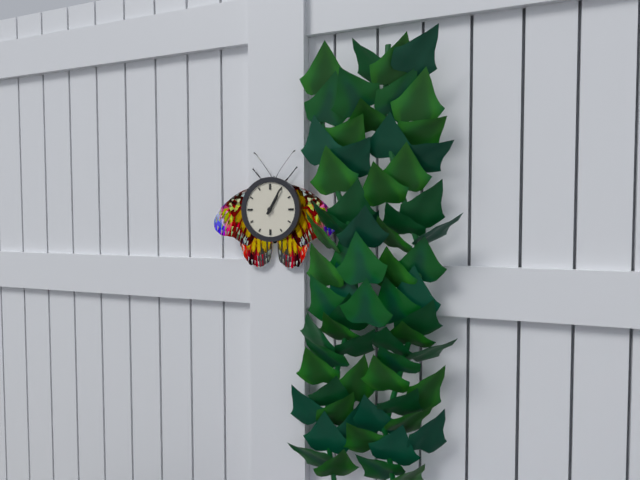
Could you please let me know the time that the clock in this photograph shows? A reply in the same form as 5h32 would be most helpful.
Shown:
1h05
